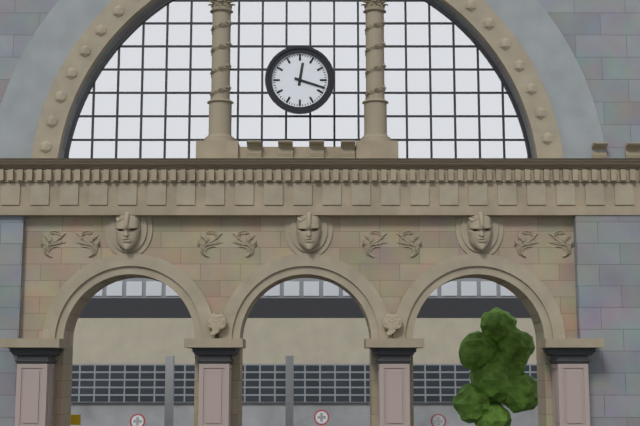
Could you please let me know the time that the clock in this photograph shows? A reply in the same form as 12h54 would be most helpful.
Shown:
12h18
